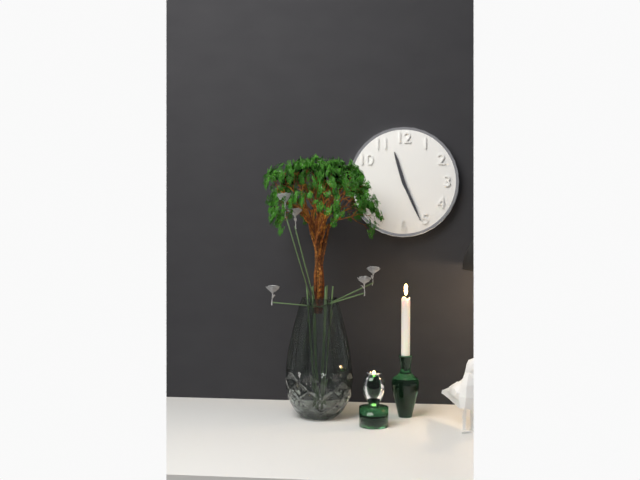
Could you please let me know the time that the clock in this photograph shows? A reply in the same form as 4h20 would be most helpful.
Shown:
11h26
